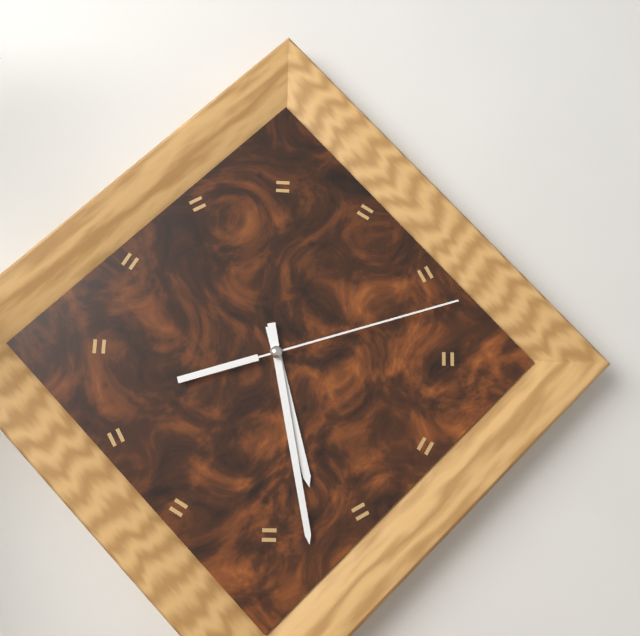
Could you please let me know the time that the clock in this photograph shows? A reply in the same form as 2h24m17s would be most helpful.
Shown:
5h28m12s
